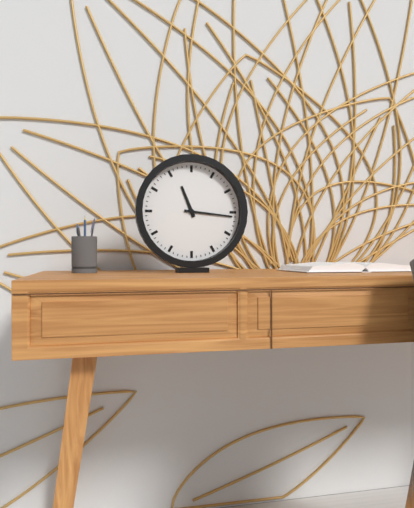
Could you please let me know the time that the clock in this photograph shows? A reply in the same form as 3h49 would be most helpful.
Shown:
11h16
